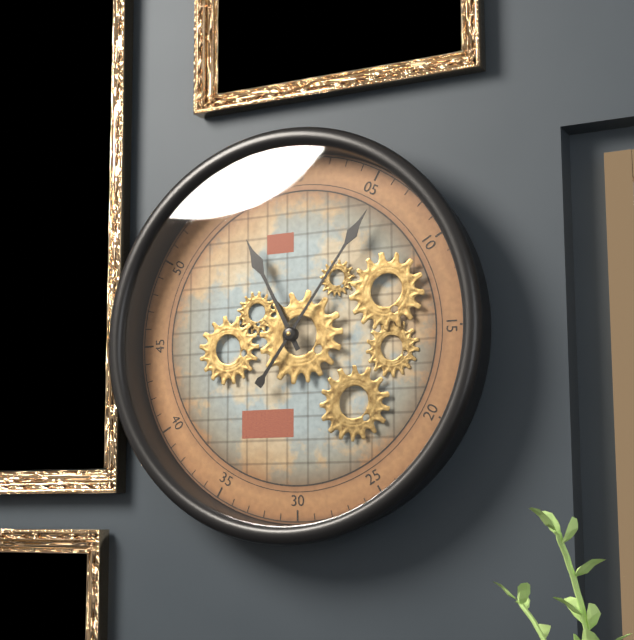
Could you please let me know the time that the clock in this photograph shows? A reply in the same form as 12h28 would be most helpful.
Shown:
11h06
